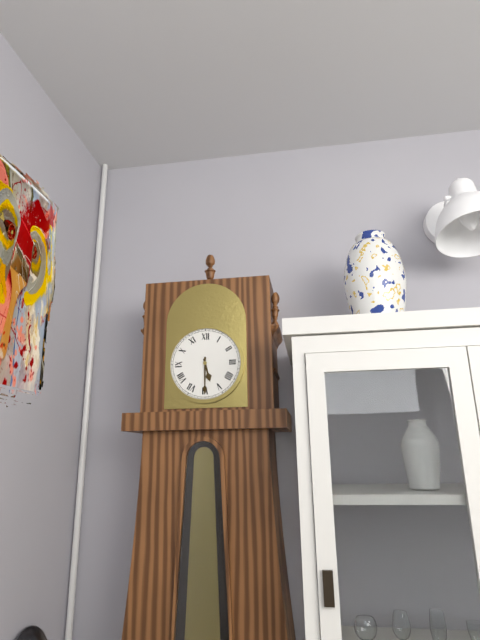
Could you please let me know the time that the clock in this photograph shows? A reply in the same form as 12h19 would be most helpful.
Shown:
5h30
